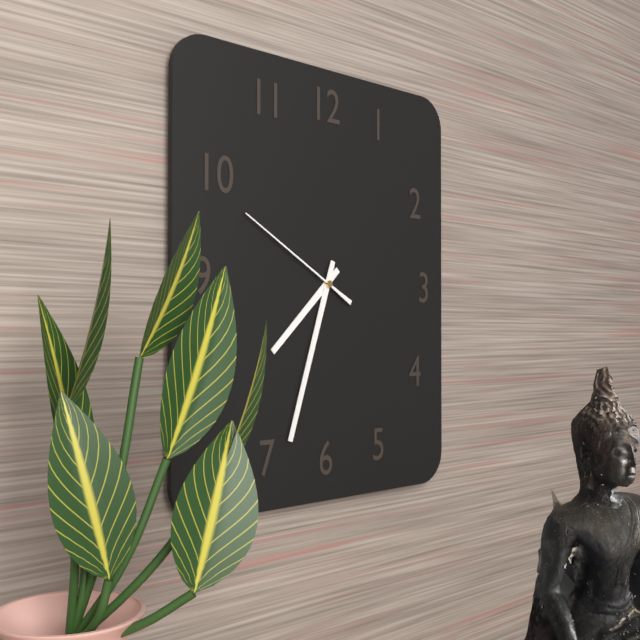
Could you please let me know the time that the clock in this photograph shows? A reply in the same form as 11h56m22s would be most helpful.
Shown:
7h33m50s
